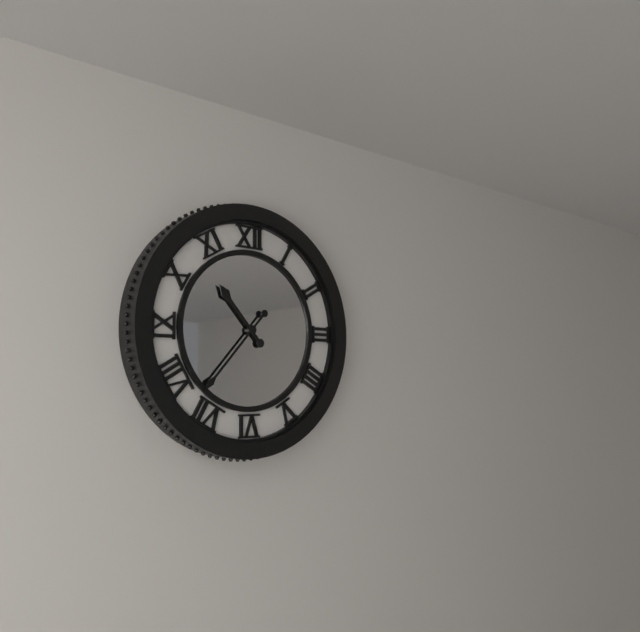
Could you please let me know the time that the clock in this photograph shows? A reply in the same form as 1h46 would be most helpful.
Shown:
10h37
